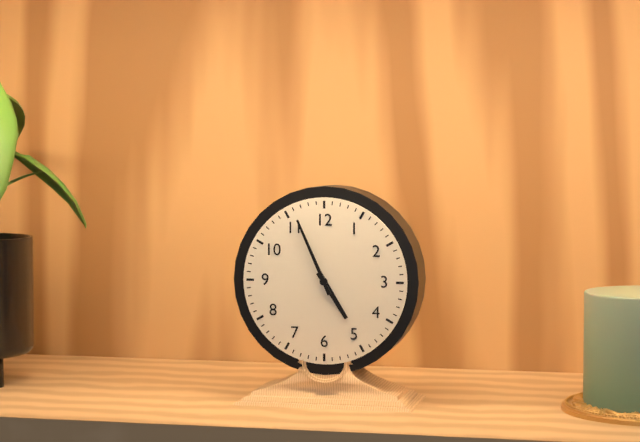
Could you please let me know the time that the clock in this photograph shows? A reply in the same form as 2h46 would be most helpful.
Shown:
4h56
